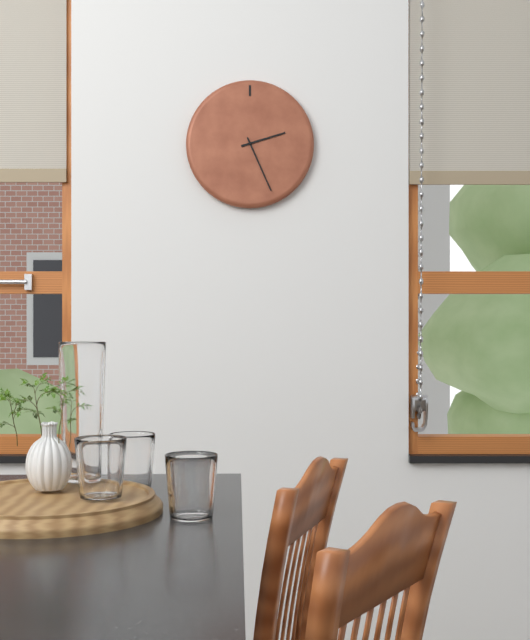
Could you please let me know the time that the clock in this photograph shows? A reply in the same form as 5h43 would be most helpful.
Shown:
2h26
